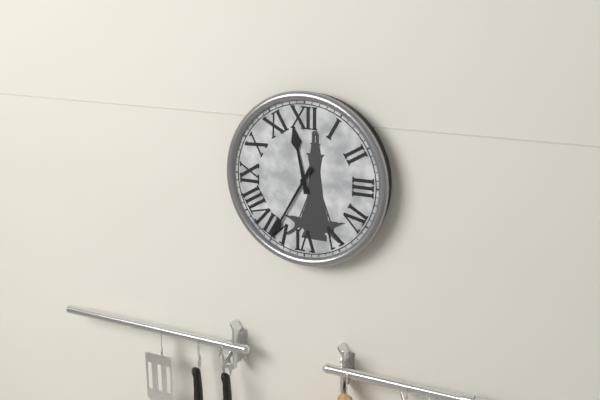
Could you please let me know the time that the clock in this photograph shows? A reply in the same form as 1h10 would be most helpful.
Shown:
11h35
